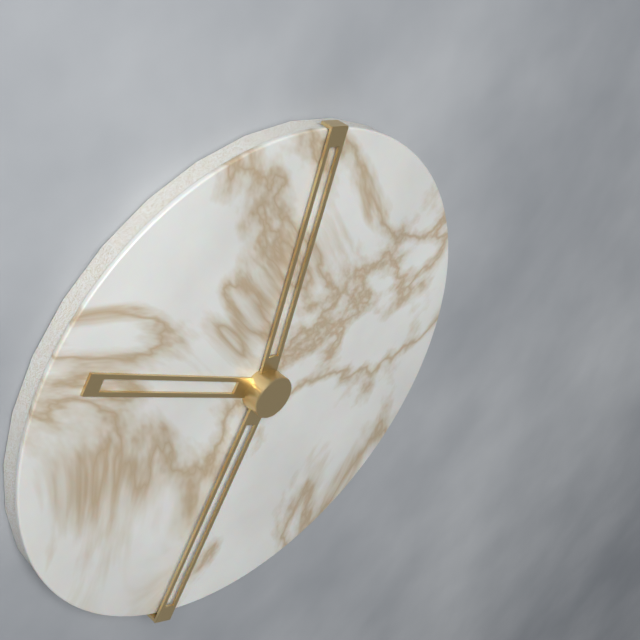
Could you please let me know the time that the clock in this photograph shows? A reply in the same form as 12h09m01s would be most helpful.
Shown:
10h03m35s
